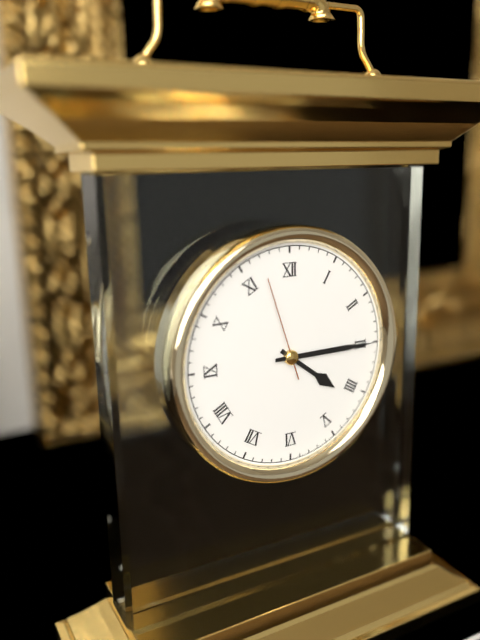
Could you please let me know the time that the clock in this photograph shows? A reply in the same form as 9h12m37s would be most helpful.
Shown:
4h15m57s
